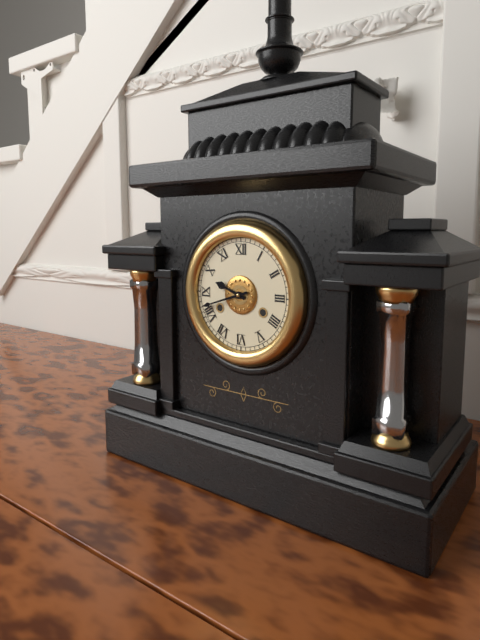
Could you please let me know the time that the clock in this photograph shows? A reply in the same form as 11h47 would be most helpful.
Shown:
9h42
